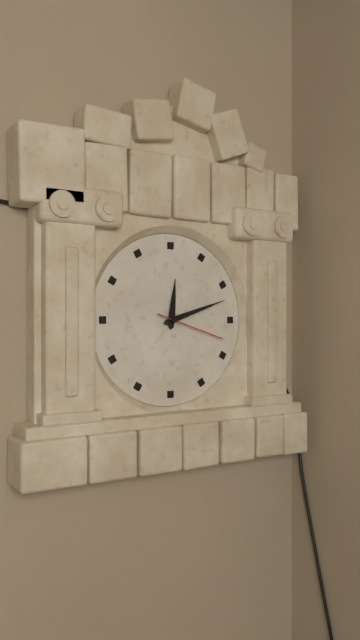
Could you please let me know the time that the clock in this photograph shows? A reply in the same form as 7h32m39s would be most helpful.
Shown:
12h12m18s
